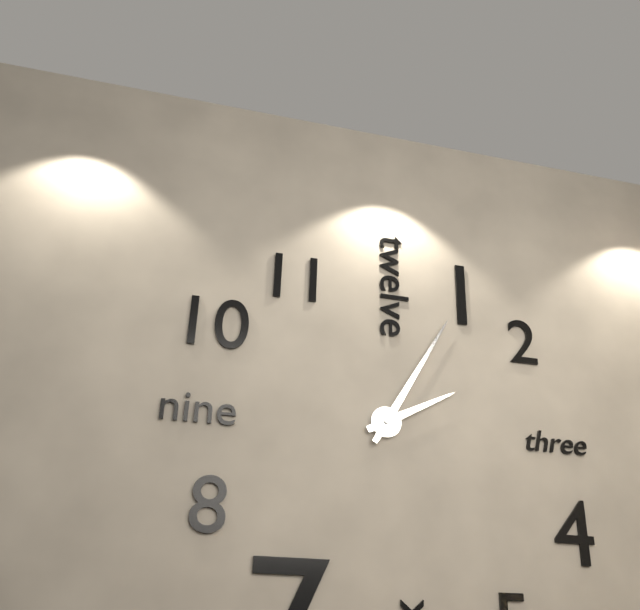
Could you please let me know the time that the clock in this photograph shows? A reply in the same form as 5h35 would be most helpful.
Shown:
2h05
